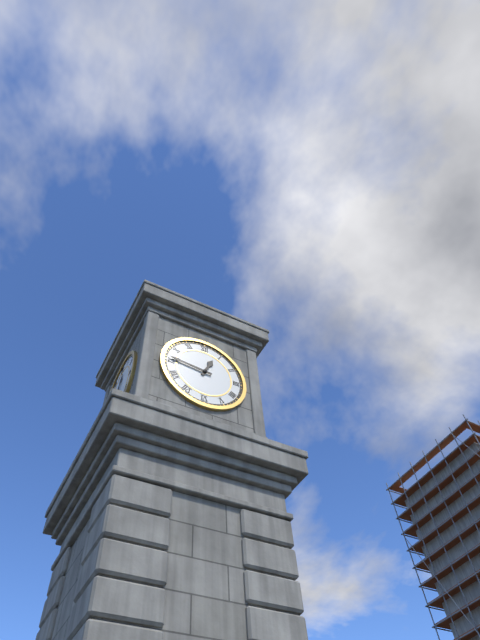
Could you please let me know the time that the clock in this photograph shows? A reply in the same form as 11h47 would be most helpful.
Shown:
12h46
